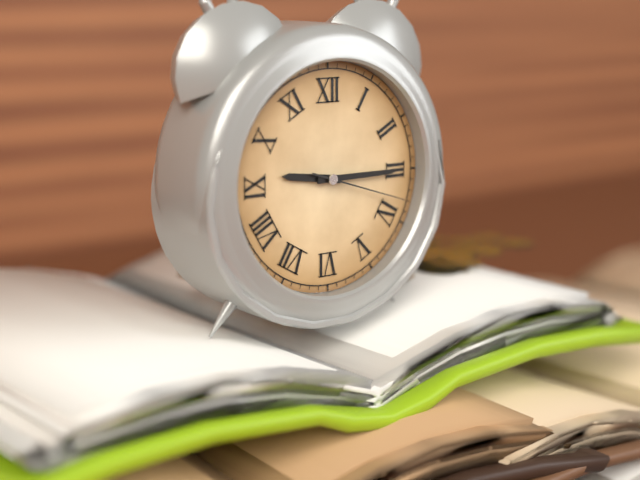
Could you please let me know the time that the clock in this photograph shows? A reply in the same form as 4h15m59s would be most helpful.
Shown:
9h15m18s
